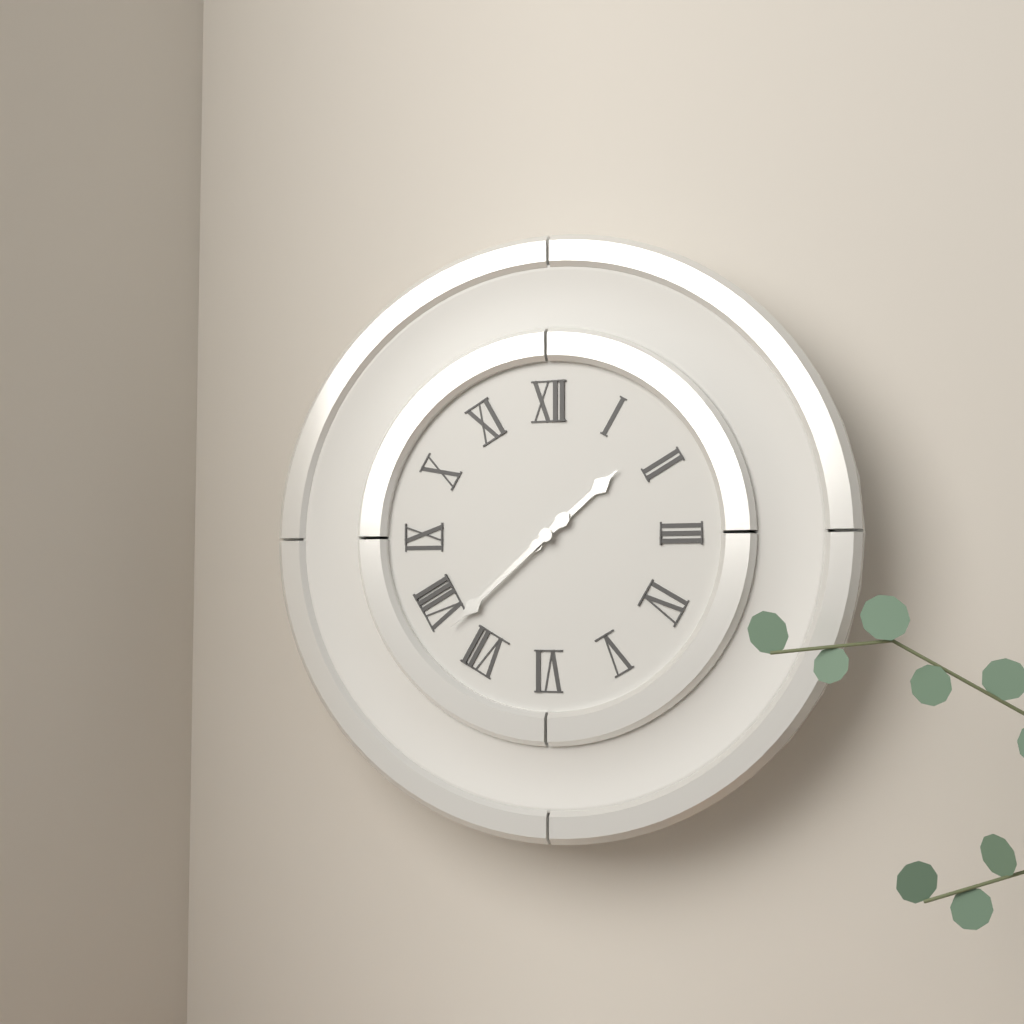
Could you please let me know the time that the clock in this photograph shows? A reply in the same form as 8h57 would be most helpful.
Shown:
1h38
